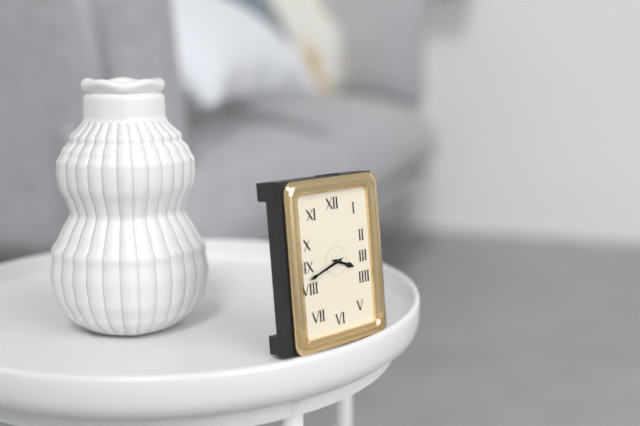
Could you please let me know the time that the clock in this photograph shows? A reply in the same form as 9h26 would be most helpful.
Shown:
3h42
